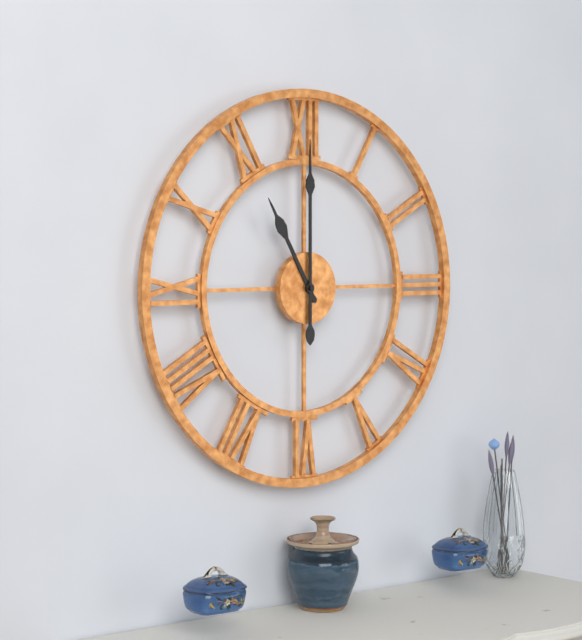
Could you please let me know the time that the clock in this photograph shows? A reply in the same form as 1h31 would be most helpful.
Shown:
11h00
